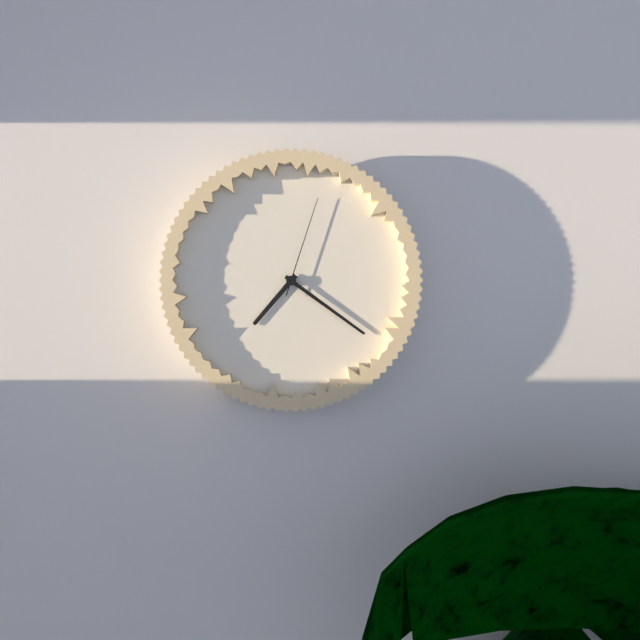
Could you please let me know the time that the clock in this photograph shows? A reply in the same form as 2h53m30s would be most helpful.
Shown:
7h21m03s
